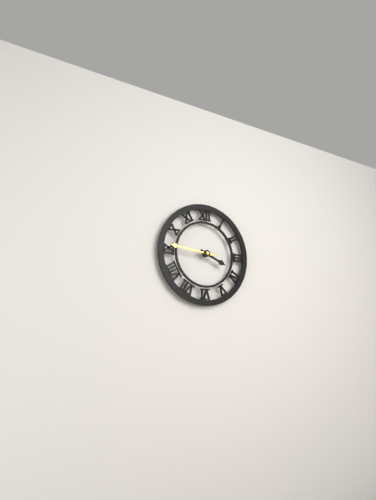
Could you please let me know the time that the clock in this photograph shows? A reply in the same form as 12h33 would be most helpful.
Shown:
3h46
